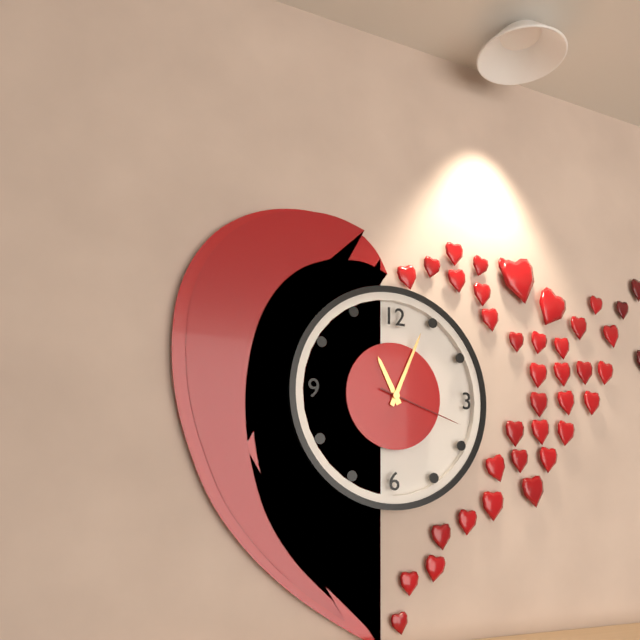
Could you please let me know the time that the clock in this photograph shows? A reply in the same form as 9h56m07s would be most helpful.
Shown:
11h04m18s
